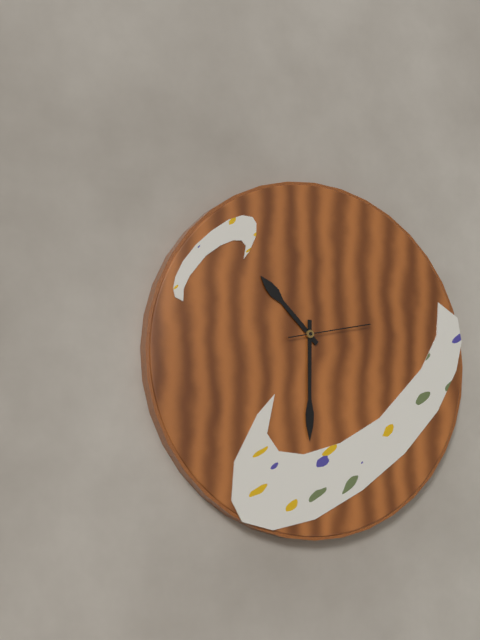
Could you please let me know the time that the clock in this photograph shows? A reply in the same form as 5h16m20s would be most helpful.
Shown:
10h30m13s
